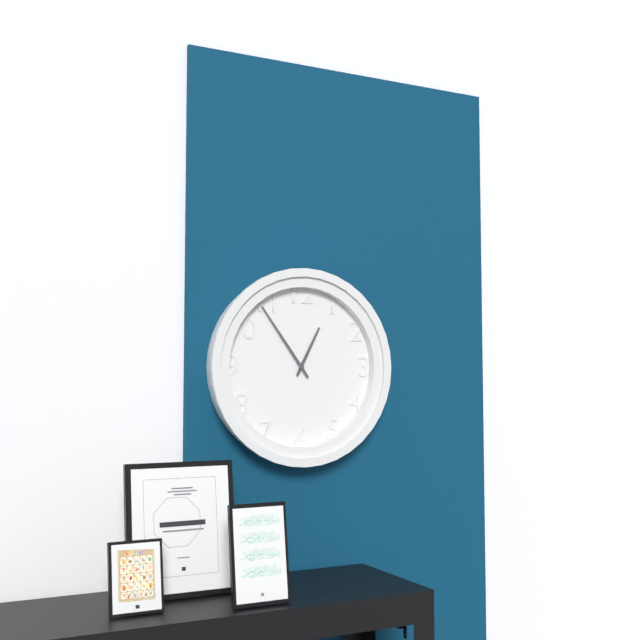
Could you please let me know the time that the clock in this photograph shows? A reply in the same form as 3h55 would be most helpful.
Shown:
12h54
